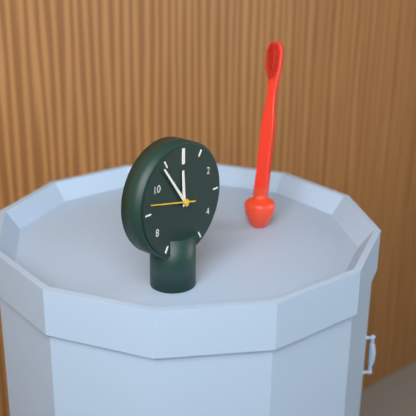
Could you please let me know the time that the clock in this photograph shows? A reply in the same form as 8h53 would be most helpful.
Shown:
11h54
